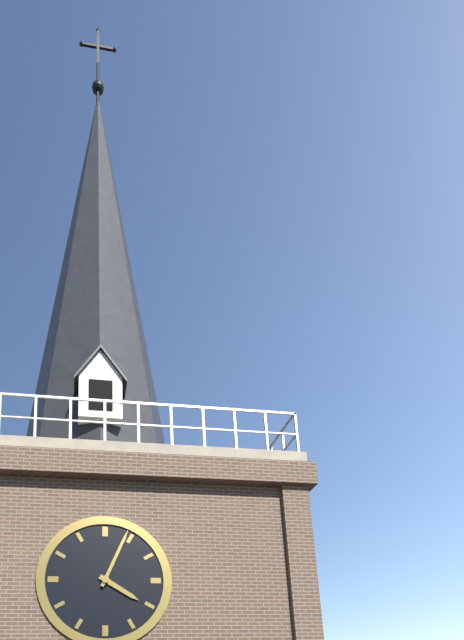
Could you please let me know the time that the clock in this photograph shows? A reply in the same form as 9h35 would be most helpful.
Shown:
4h04
